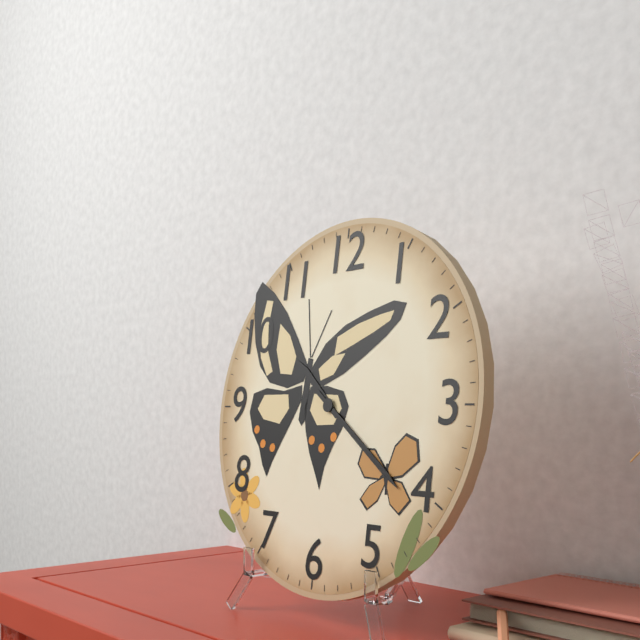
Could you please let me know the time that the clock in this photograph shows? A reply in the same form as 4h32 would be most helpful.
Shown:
10h21
